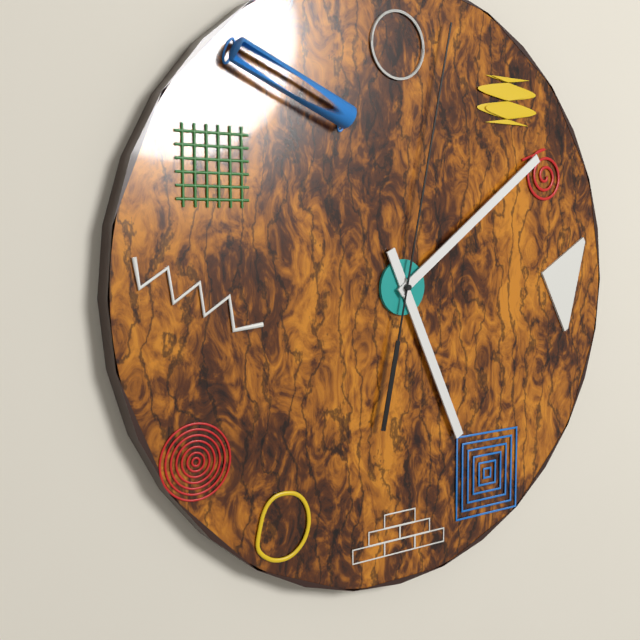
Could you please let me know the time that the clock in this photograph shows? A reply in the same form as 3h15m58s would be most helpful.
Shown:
5h09m02s
